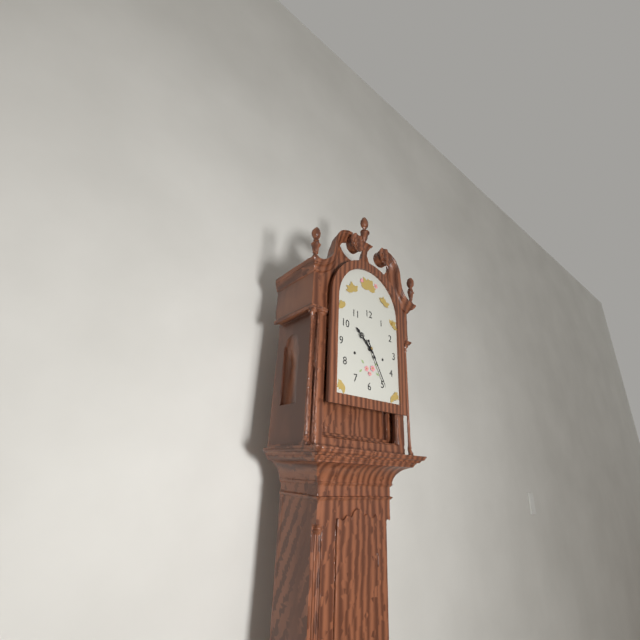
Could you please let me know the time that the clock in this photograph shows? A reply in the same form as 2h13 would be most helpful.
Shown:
10h25
